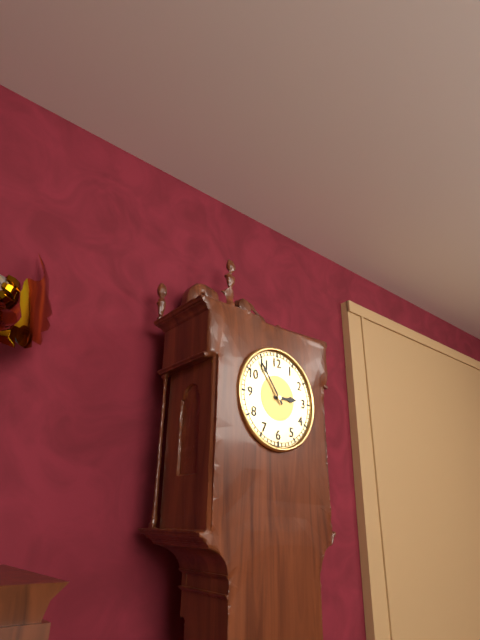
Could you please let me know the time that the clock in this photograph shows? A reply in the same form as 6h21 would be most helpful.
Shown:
2h54
